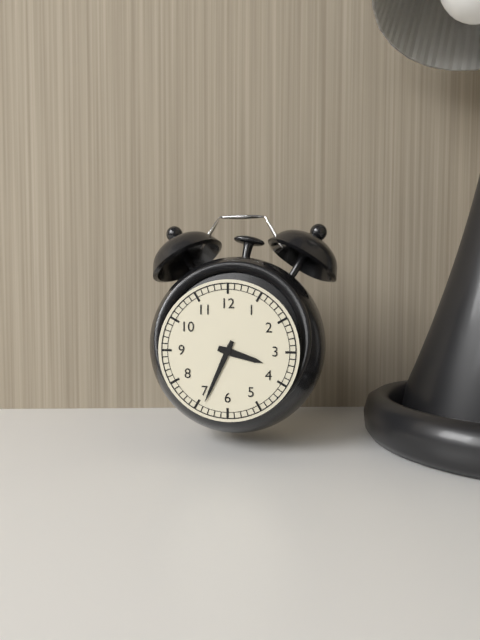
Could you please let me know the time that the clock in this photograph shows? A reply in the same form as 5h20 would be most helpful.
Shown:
3h34
